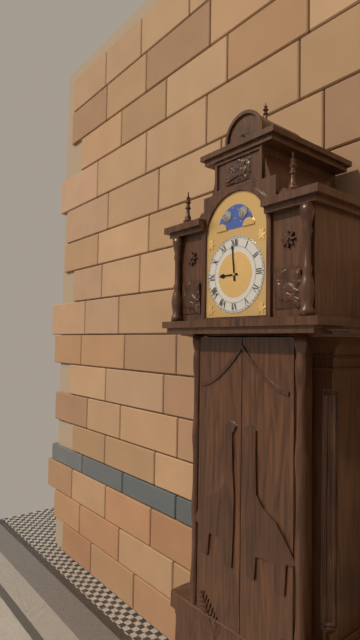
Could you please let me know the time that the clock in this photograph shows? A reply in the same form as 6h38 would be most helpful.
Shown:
8h59
